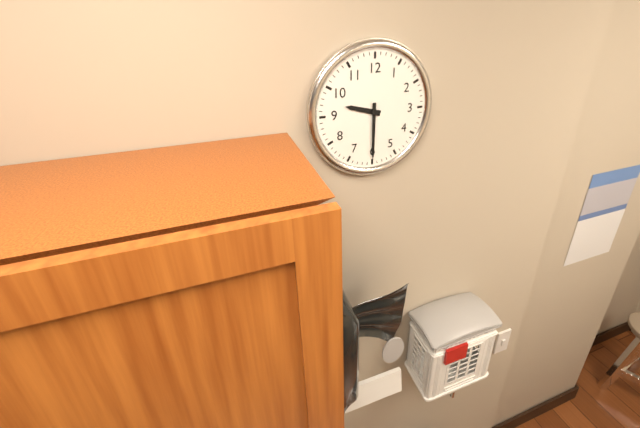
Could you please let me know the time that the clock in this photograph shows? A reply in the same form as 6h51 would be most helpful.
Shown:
9h30
